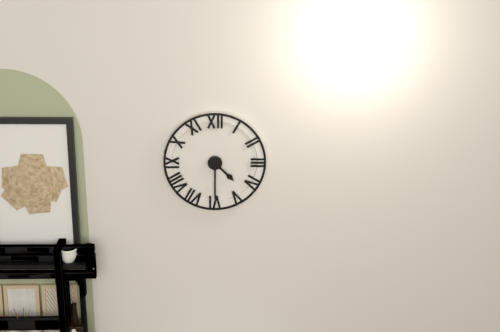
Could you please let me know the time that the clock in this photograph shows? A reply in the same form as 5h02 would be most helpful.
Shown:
4h30
